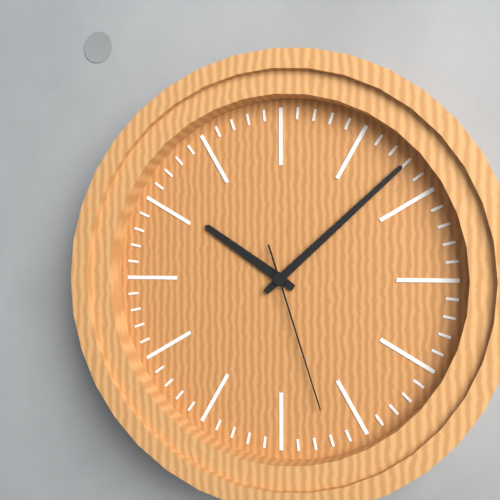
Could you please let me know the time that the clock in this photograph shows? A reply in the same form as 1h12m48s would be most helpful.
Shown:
10h08m27s
